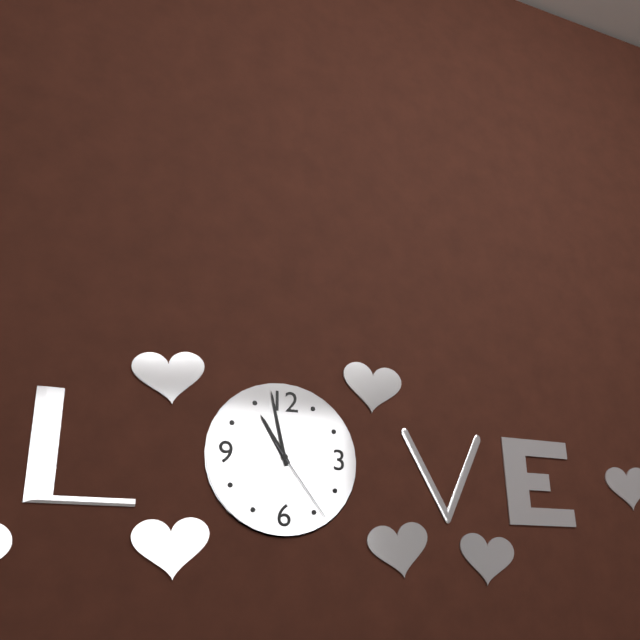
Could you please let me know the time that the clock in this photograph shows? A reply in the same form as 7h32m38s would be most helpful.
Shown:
10h58m24s
